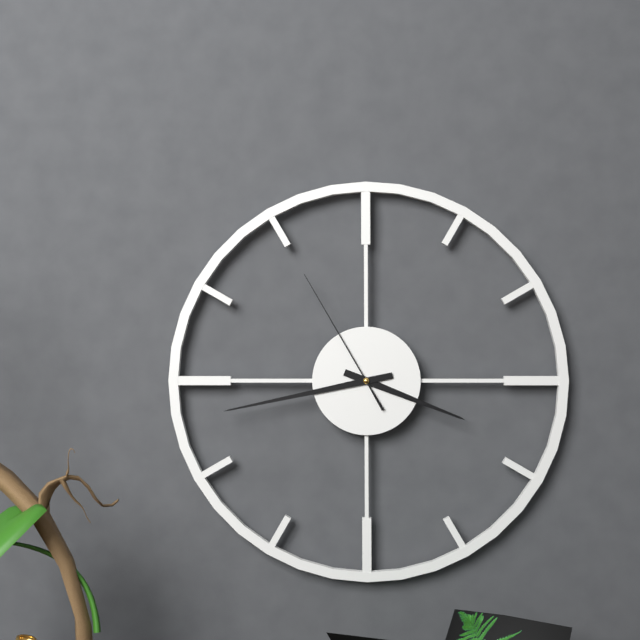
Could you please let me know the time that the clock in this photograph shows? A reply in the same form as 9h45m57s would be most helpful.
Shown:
3h43m55s
